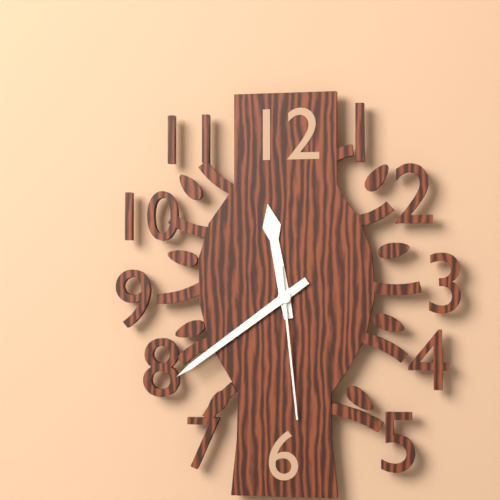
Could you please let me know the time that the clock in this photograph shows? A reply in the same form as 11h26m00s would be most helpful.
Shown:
11h39m29s
